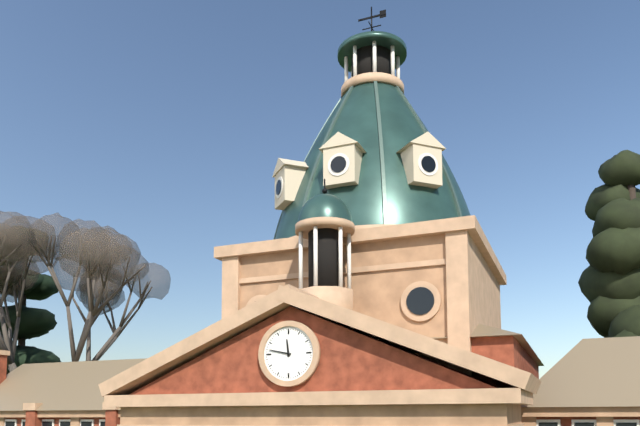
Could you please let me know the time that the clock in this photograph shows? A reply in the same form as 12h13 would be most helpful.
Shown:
11h47
